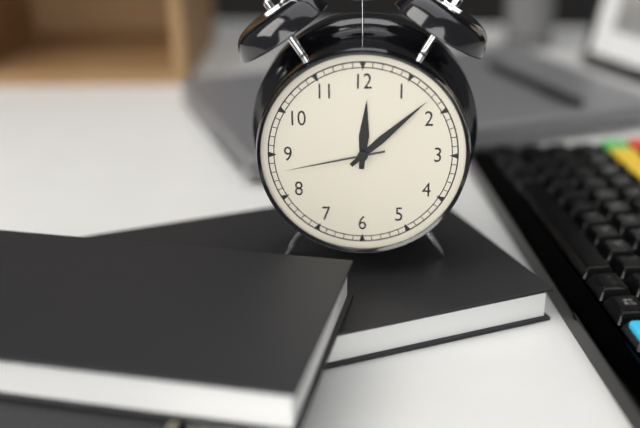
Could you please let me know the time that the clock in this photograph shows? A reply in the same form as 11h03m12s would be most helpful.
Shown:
12h08m43s
